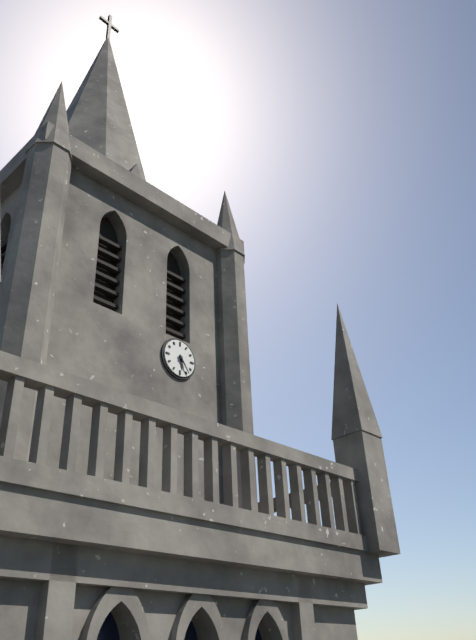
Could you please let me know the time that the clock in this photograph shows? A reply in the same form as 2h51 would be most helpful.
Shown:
5h24
